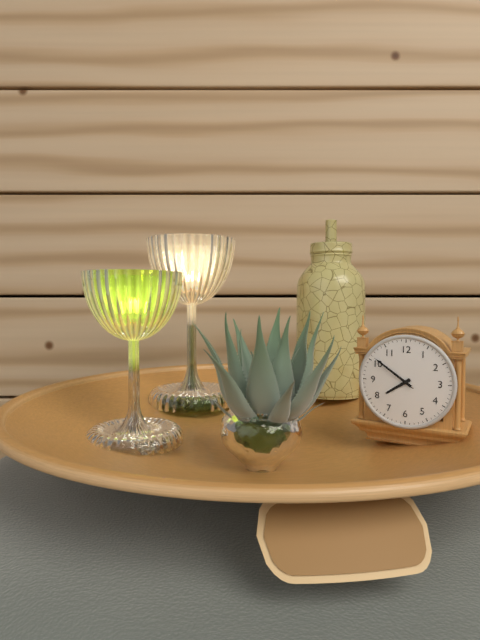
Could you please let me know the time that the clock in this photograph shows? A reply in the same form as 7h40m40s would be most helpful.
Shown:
7h51m51s
